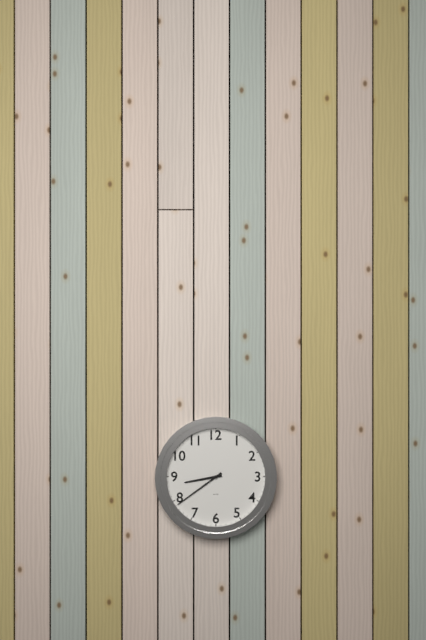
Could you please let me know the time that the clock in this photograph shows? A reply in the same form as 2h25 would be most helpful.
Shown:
8h39
